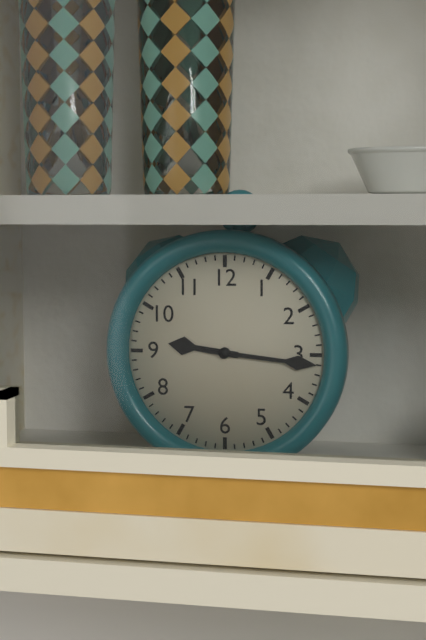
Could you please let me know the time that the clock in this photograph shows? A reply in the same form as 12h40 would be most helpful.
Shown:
9h16
